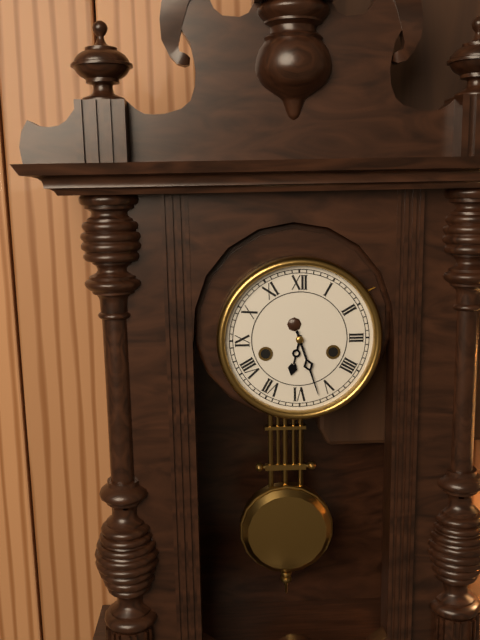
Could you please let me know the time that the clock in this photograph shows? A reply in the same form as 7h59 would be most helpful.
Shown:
6h27
